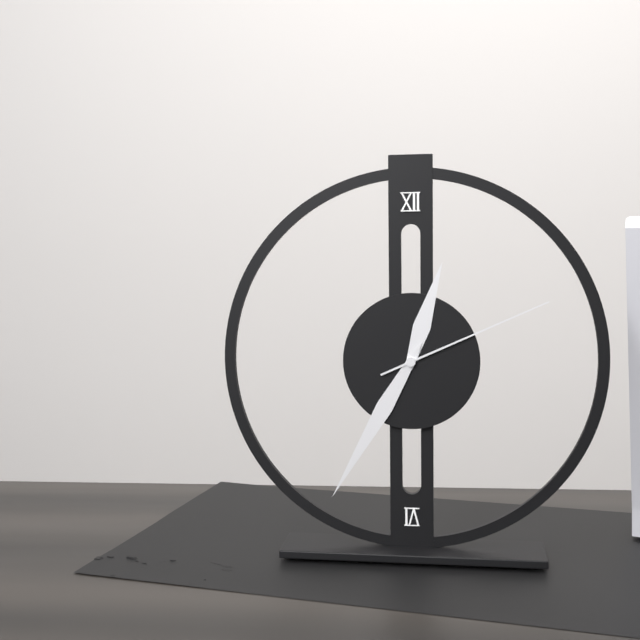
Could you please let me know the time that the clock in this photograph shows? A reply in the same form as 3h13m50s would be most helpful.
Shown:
12h35m11s
